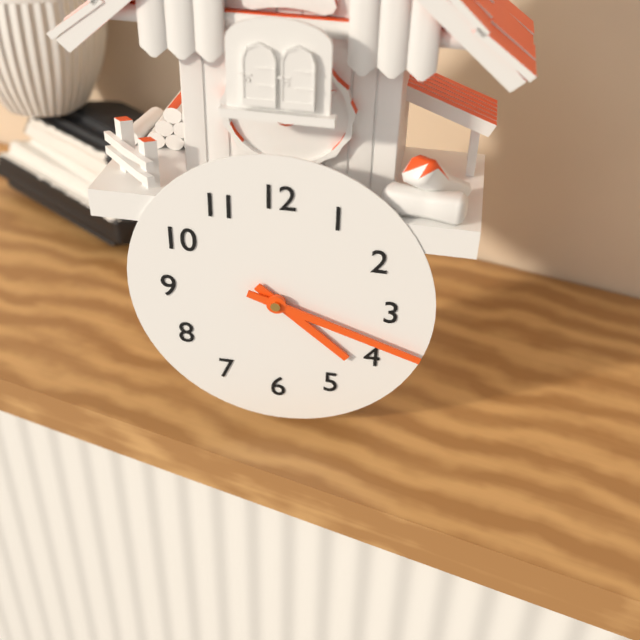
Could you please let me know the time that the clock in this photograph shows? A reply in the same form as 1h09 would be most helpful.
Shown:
4h18
